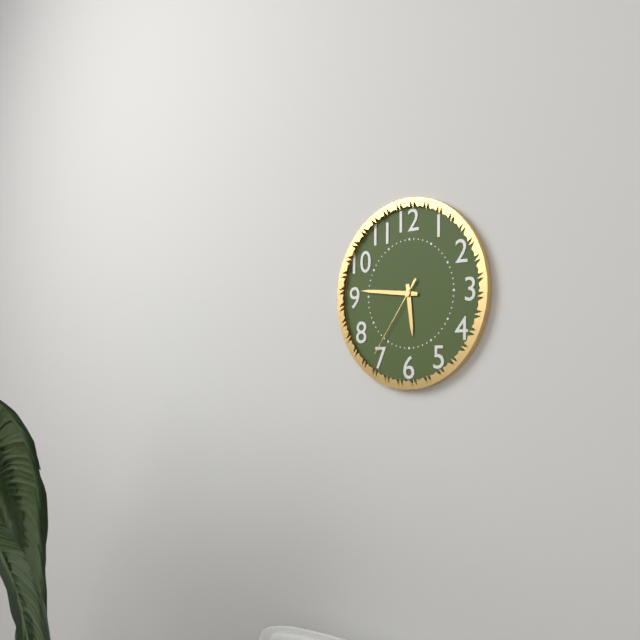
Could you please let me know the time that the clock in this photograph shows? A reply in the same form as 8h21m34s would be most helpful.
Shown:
5h46m36s
